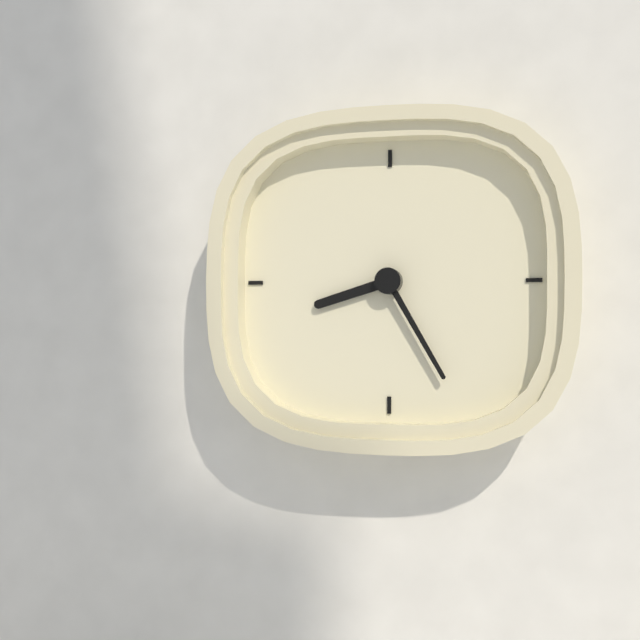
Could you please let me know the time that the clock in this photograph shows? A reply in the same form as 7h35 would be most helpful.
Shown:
8h25
